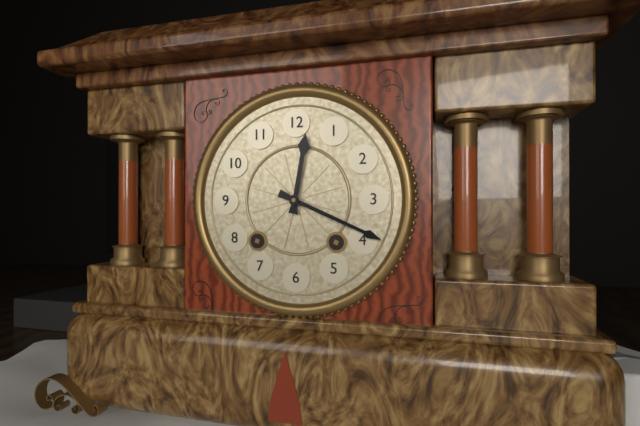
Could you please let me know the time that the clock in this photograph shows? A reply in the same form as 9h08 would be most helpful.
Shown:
12h19
